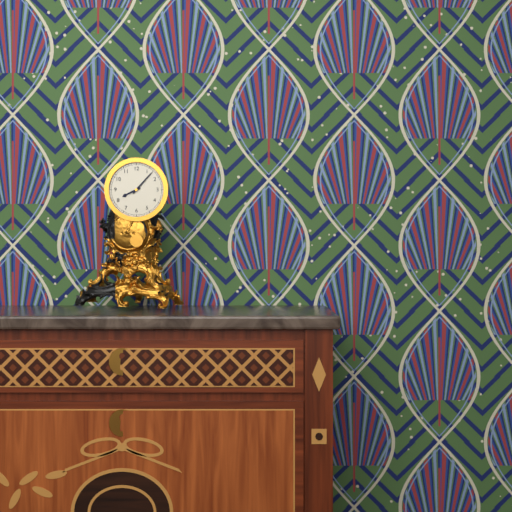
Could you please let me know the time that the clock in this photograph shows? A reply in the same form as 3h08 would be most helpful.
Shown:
8h07
